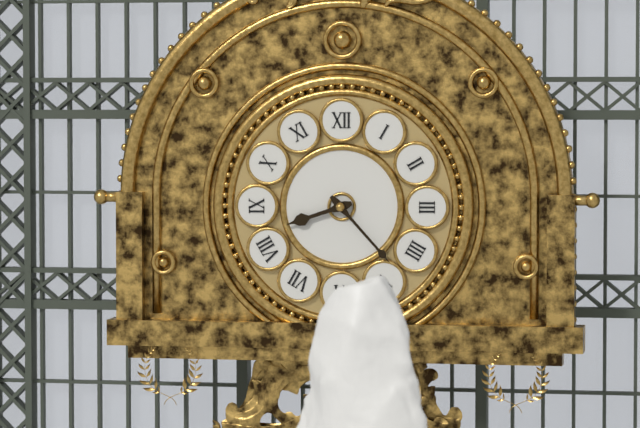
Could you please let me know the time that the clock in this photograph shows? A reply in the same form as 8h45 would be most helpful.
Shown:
8h23
